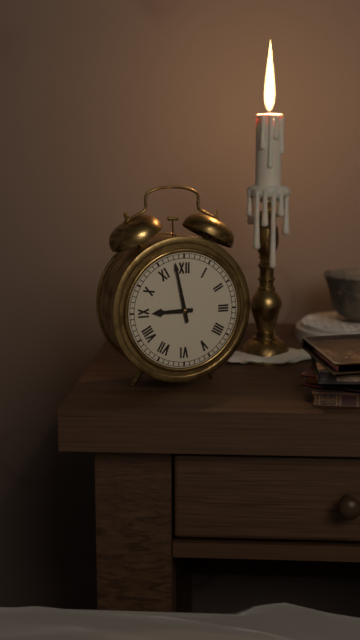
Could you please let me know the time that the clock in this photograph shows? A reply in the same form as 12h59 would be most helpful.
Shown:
8h58
